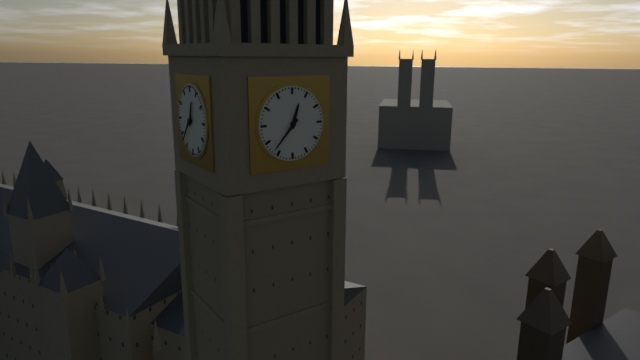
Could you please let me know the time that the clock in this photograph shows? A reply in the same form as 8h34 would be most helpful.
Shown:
12h37
